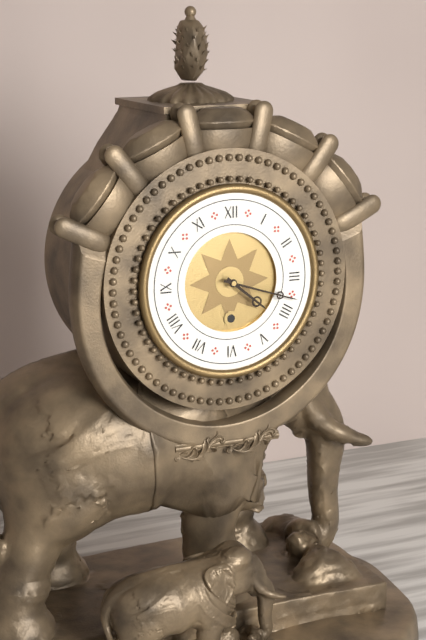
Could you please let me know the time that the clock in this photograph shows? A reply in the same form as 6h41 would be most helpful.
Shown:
4h18
